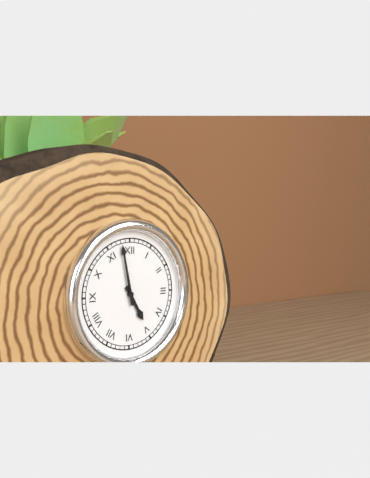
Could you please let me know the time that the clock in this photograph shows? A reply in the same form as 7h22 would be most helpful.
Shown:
4h58
